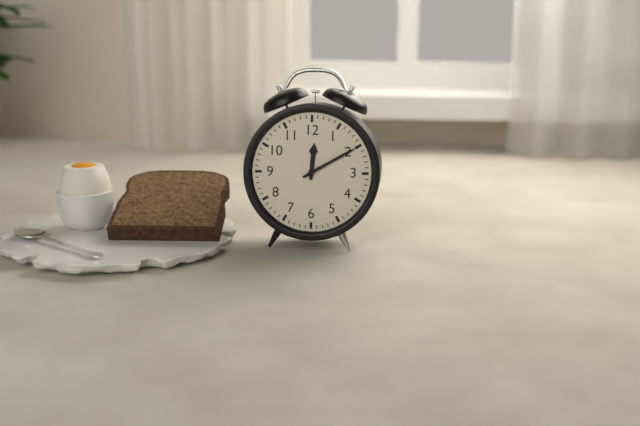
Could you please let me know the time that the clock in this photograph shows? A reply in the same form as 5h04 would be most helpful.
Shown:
12h10
